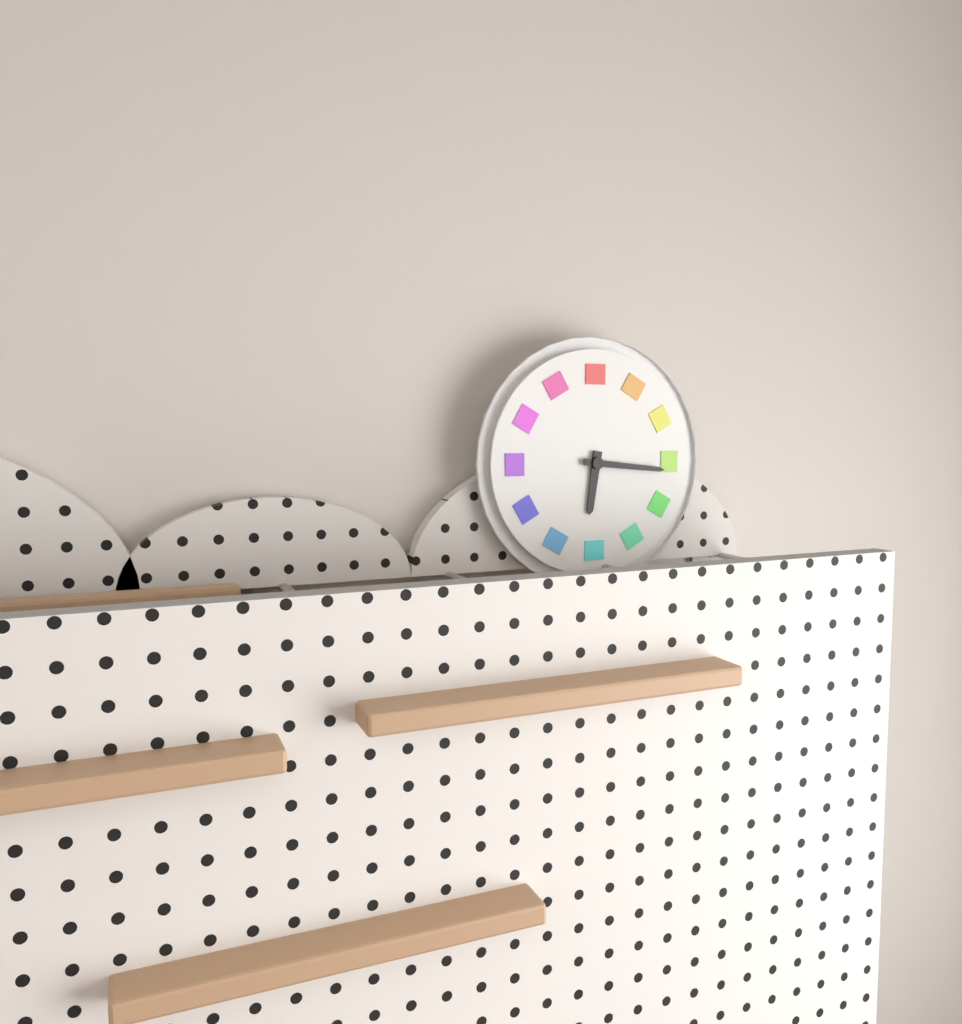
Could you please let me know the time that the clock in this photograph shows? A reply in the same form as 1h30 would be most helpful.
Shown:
6h16
